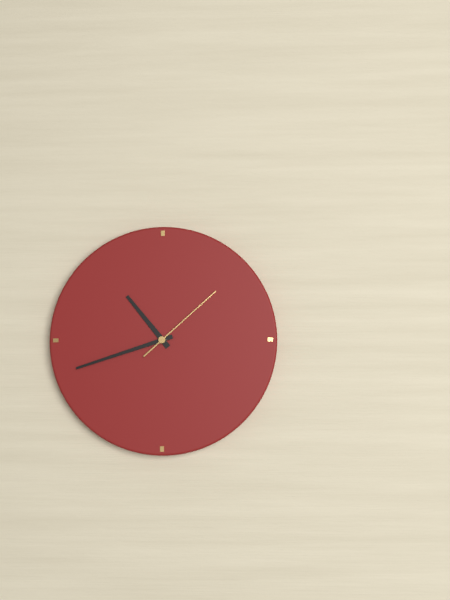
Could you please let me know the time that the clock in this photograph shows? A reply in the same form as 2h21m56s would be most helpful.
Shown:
10h42m08s
